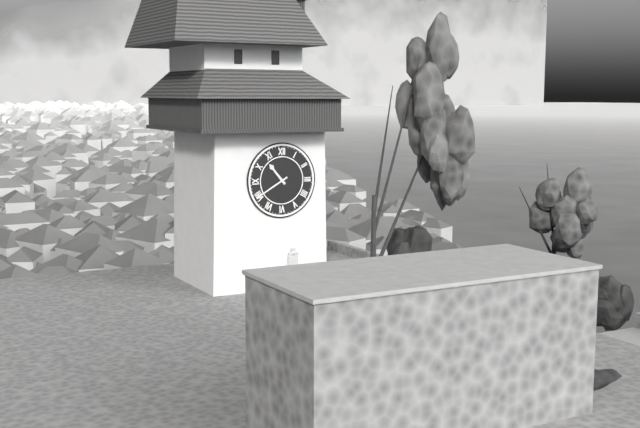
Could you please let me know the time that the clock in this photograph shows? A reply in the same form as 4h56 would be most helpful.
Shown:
10h40
